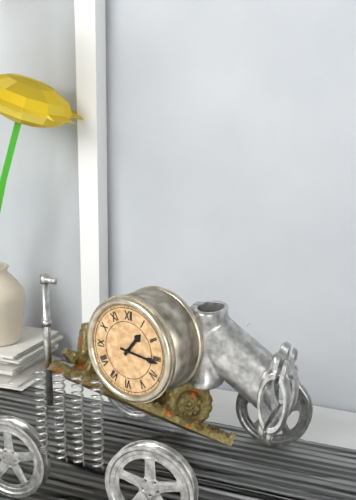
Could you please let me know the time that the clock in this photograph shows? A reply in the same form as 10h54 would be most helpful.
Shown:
1h16
